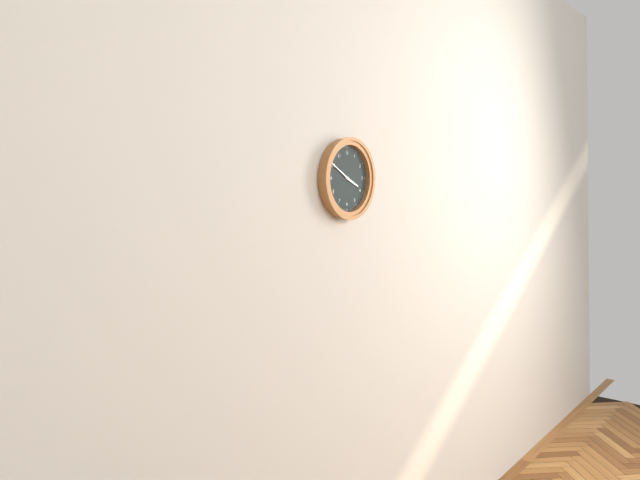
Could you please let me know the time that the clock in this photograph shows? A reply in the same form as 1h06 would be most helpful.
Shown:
3h50
